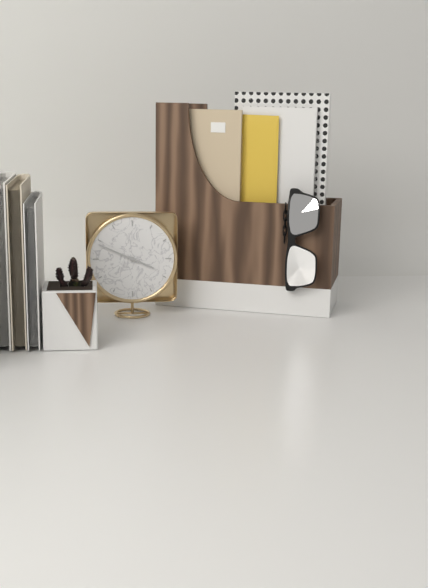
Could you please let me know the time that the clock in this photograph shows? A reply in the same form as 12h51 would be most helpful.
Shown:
3h49
